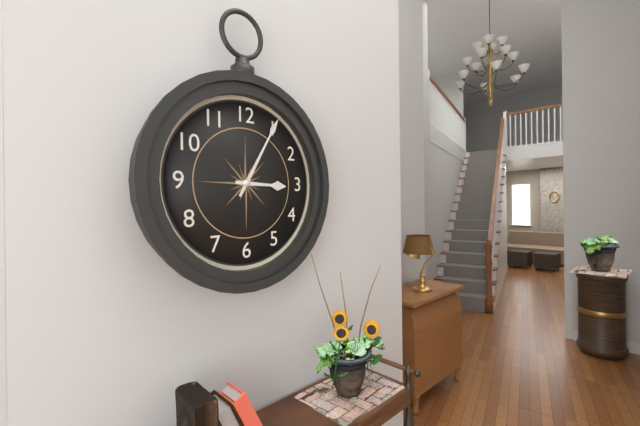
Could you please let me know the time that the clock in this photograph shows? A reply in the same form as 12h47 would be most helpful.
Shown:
3h05
